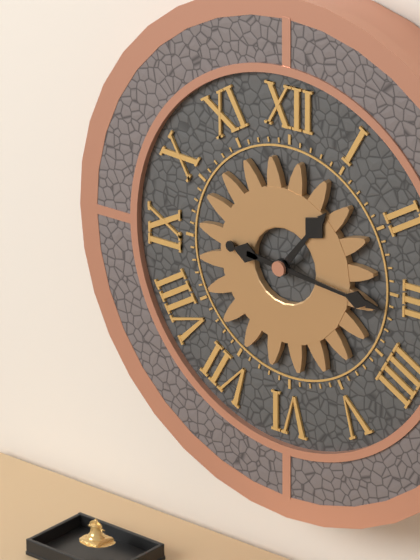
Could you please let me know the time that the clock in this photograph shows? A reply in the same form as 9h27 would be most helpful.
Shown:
1h16
